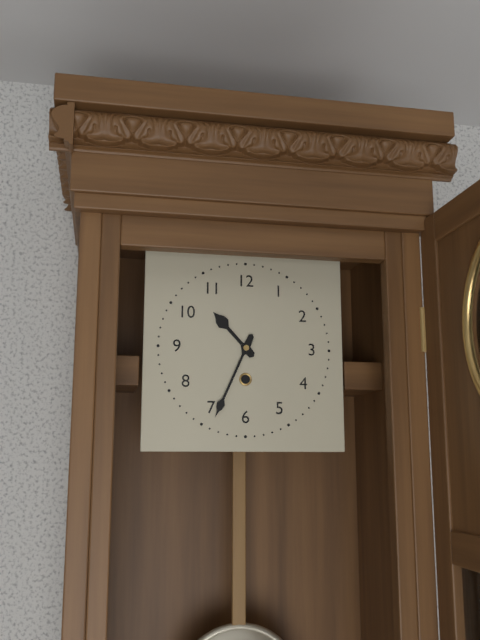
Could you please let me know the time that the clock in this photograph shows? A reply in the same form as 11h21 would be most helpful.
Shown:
10h34
